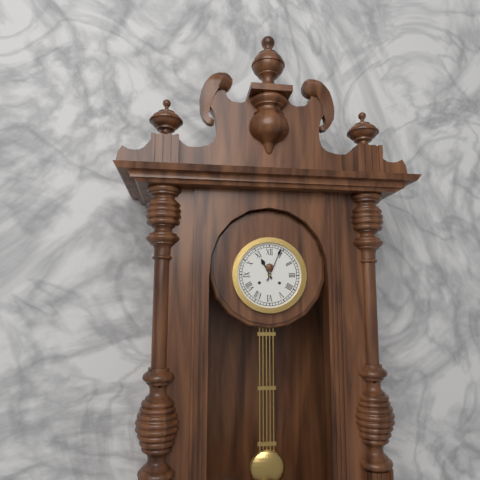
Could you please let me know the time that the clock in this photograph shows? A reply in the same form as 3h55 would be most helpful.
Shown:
11h04
